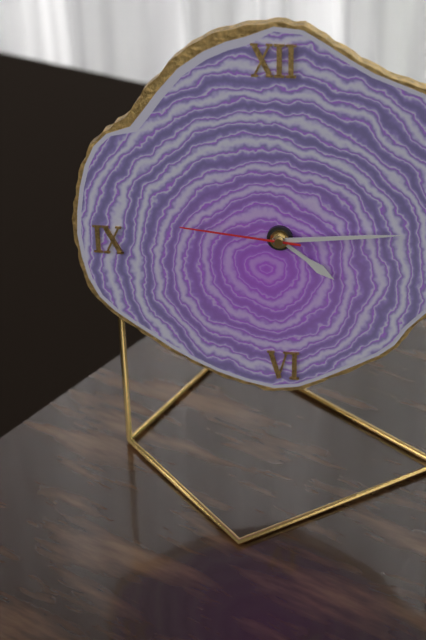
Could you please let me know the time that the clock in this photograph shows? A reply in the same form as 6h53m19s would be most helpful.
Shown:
4h14m46s
